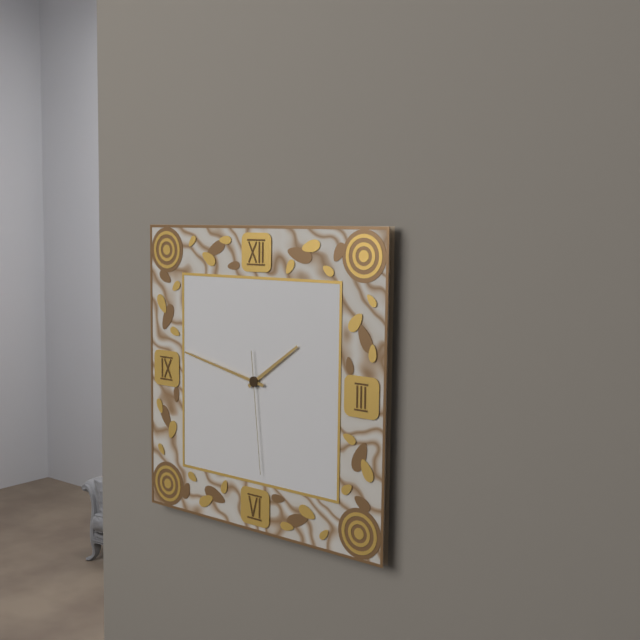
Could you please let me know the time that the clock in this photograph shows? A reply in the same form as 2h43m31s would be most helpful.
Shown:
1h47m29s
